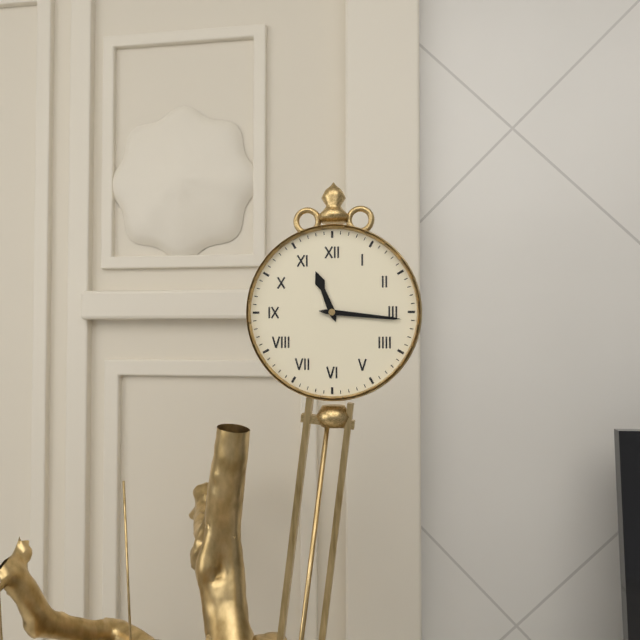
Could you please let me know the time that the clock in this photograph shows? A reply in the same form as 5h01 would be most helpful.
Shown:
11h16
